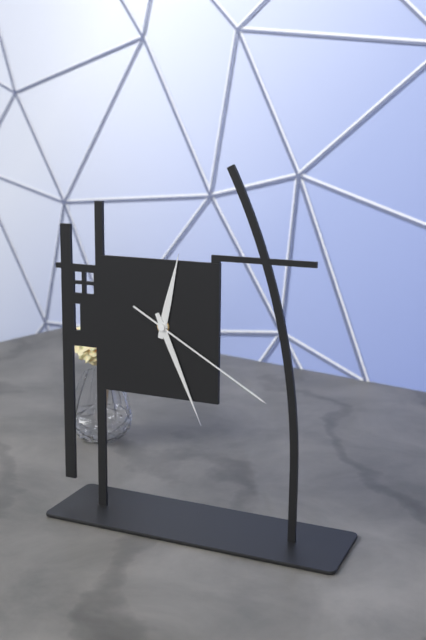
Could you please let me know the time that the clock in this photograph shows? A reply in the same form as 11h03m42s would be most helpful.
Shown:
12h26m20s
